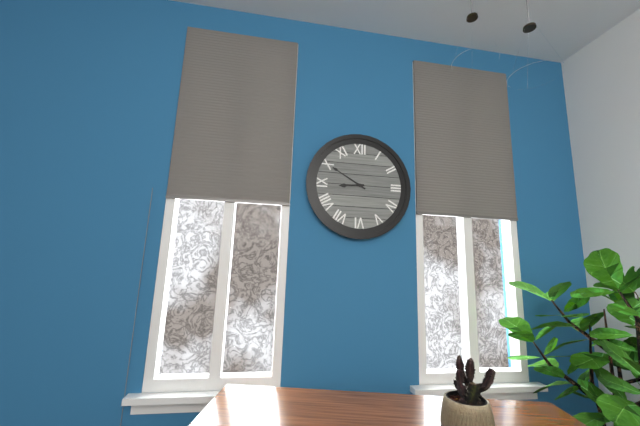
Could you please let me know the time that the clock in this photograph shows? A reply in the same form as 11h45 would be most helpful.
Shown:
8h50
